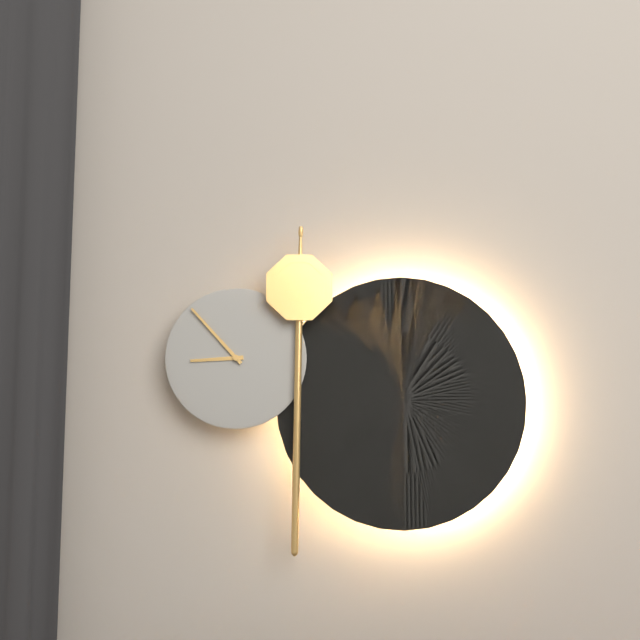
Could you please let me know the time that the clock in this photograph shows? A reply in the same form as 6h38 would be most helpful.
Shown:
8h53
